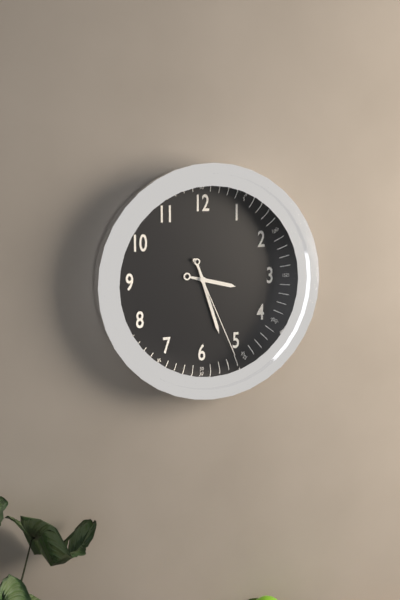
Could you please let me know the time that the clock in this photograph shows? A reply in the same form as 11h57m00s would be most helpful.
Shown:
3h27m26s
